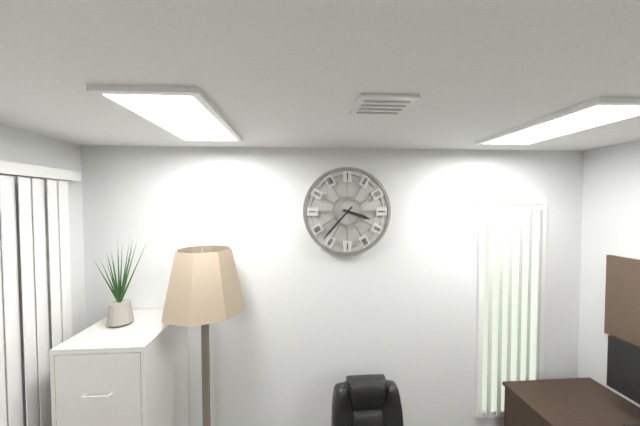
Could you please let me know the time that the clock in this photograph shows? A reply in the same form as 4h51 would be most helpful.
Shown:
3h37
